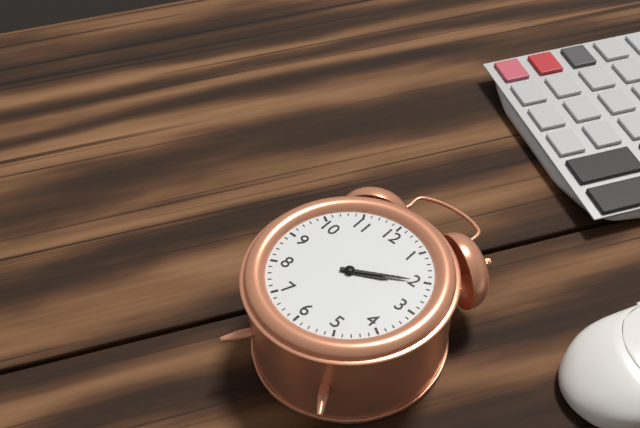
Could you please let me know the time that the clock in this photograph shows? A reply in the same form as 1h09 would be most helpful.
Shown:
2h10
